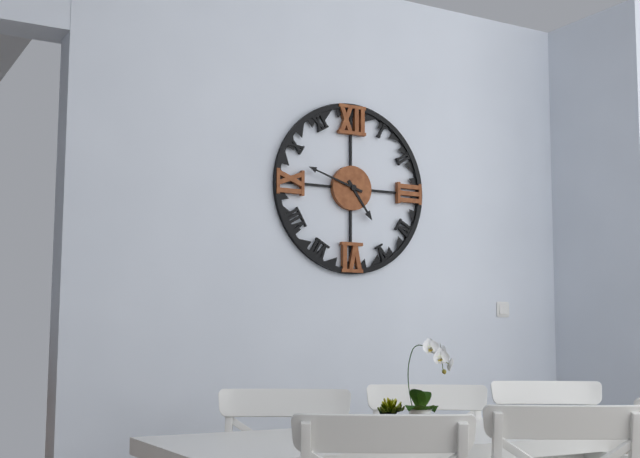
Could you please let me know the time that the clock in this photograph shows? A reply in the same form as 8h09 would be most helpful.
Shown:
4h48
